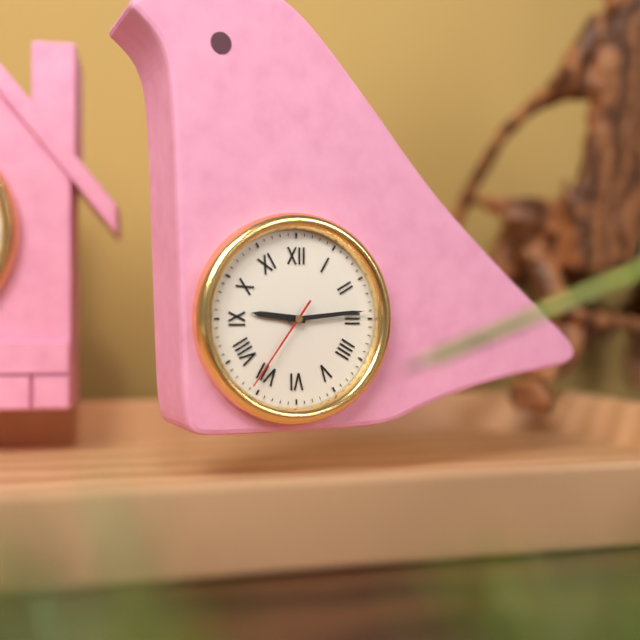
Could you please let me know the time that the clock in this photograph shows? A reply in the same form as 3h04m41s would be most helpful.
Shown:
9h14m36s
